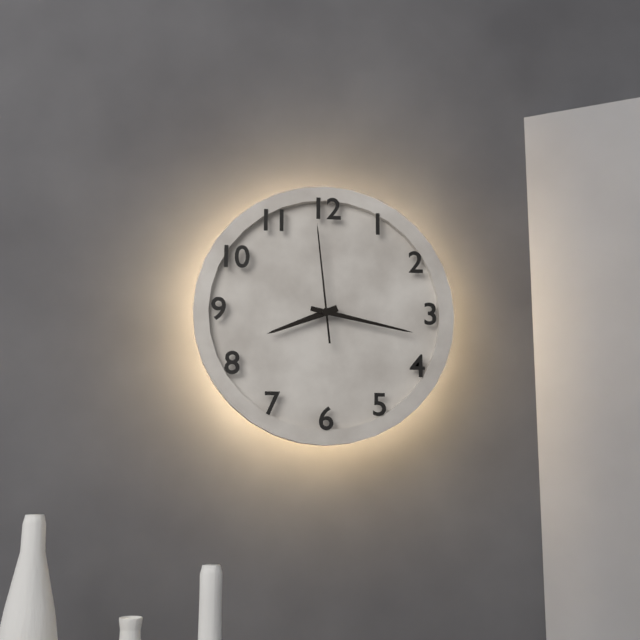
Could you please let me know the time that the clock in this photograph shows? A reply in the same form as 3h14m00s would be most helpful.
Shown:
8h17m59s
